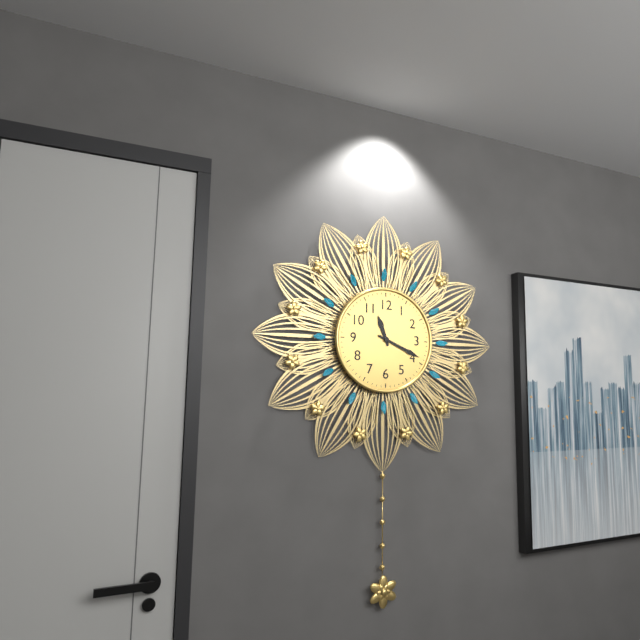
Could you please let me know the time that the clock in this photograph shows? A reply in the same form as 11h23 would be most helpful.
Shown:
11h19
